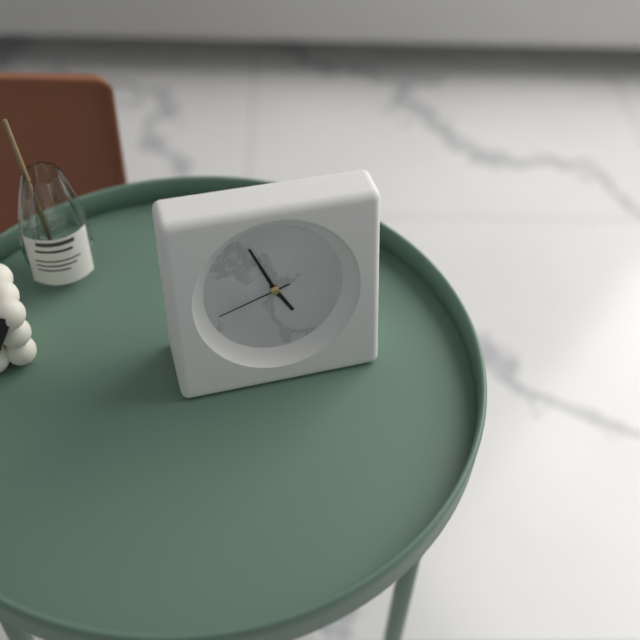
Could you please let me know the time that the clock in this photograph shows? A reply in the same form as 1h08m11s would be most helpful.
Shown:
4h56m42s
